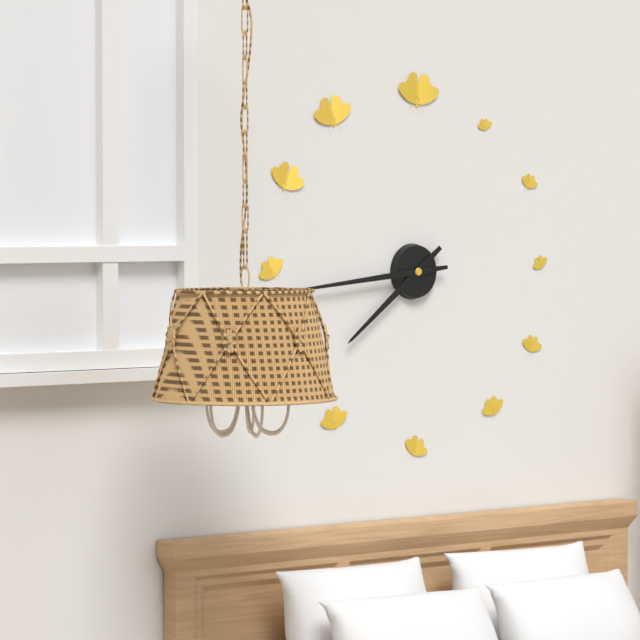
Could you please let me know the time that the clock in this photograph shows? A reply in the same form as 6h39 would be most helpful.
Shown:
7h44
